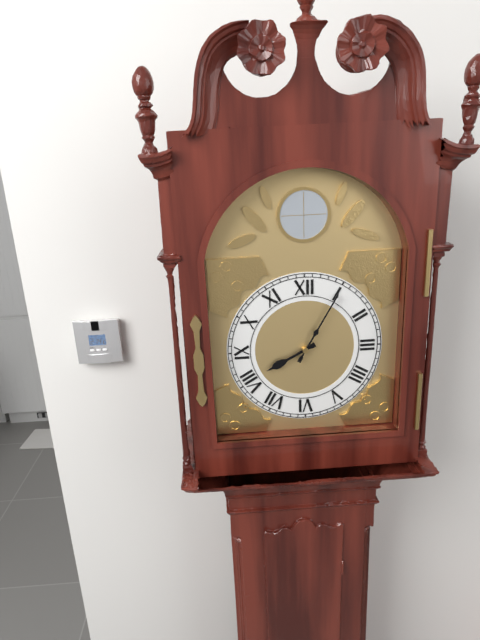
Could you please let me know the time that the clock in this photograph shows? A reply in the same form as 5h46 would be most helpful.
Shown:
8h05
